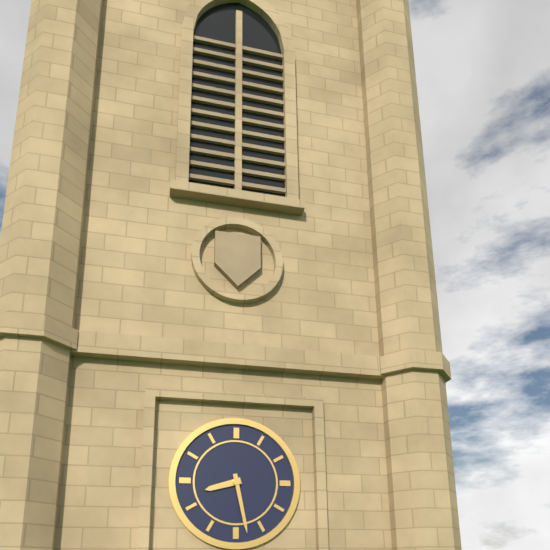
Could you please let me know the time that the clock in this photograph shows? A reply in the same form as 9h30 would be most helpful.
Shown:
8h28
